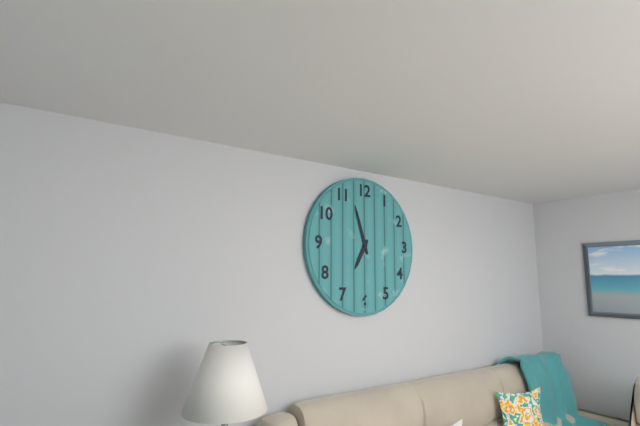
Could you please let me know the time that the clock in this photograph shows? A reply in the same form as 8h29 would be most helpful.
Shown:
6h57
